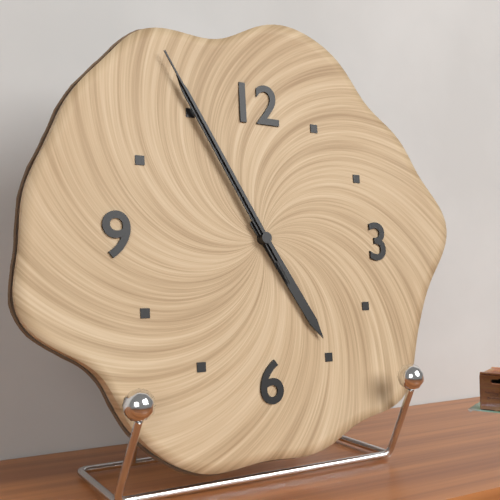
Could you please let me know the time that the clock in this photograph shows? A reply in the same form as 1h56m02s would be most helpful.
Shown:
4h55m55s
